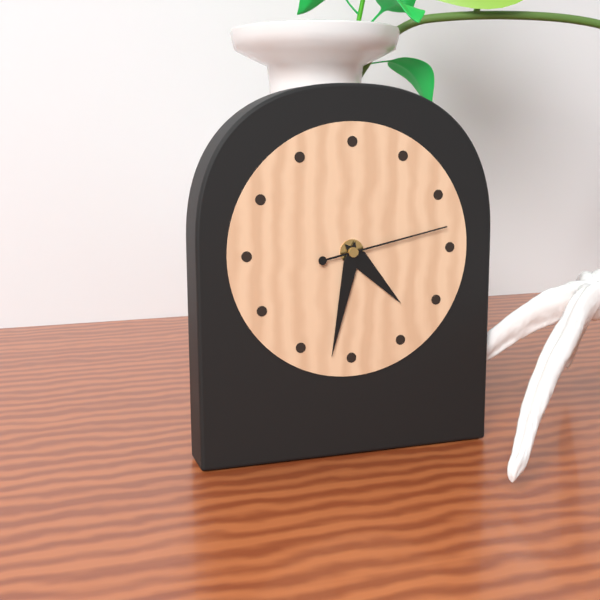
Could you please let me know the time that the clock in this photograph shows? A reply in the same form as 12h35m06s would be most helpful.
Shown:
4h32m13s
